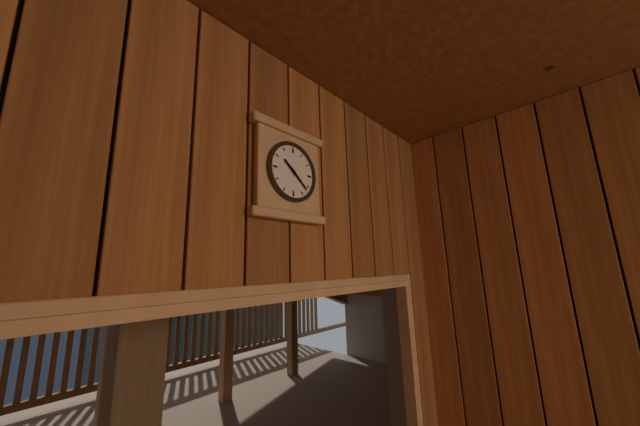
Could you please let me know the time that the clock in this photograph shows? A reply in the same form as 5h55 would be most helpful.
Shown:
10h22
